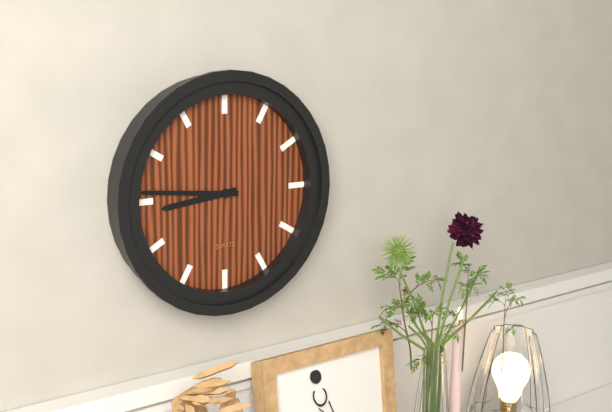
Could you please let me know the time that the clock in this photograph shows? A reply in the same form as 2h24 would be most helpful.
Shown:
8h46
